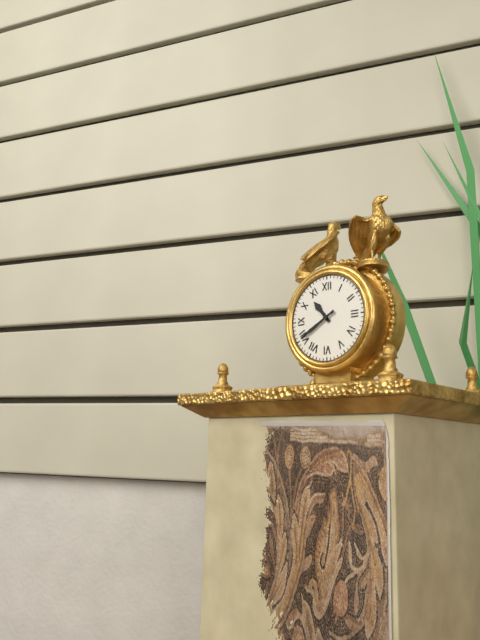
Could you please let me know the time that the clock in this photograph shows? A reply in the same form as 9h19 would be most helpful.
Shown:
10h40
